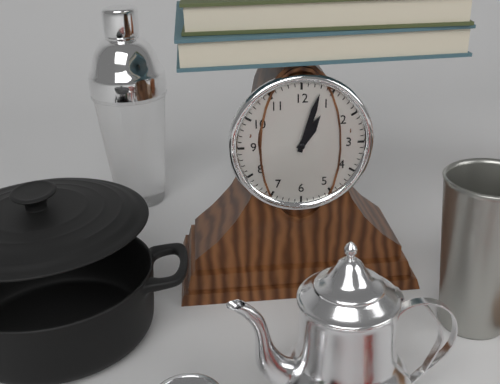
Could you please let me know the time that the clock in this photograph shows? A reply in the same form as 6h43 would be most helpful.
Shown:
1h03
